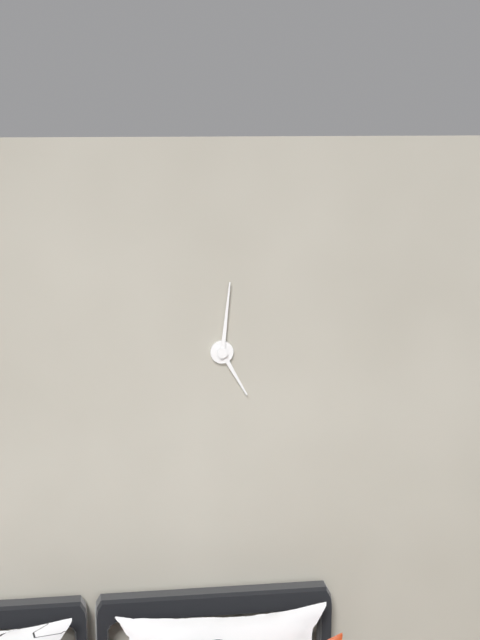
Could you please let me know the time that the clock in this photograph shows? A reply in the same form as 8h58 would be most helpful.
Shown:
5h01
